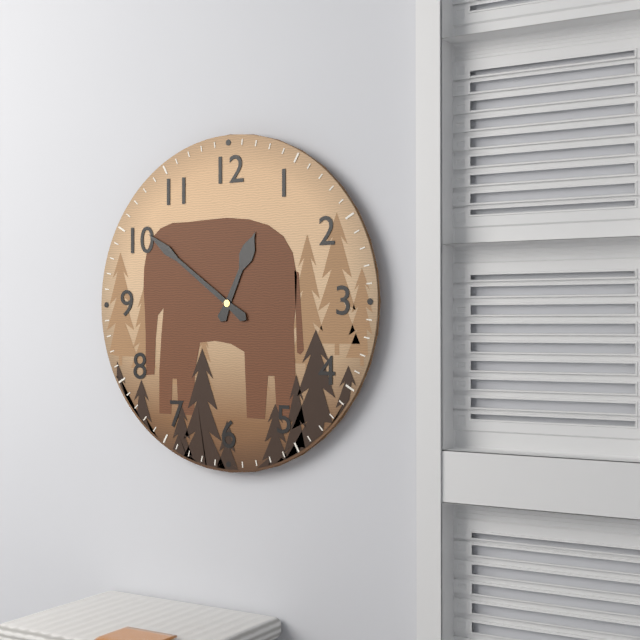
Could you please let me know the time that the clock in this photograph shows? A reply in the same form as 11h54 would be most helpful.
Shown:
12h51
